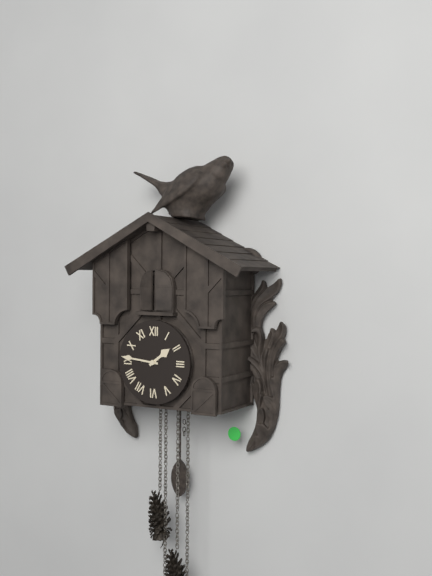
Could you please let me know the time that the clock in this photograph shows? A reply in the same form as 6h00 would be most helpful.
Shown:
1h46
